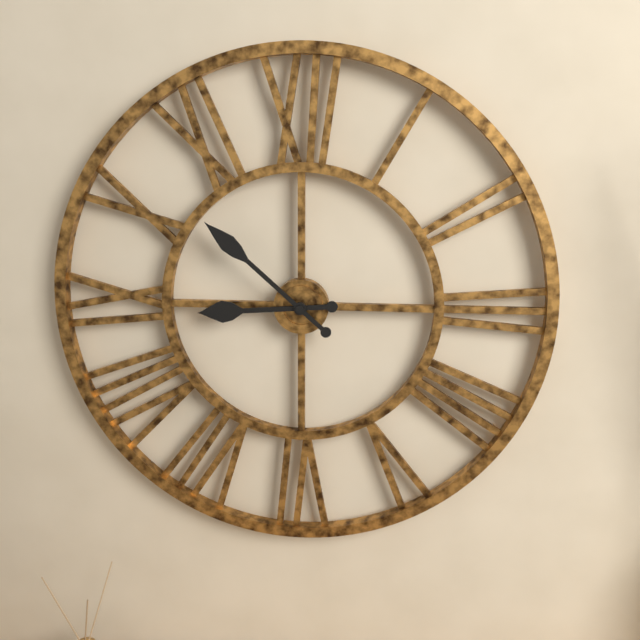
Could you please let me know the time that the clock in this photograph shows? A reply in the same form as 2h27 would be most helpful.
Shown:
8h52
